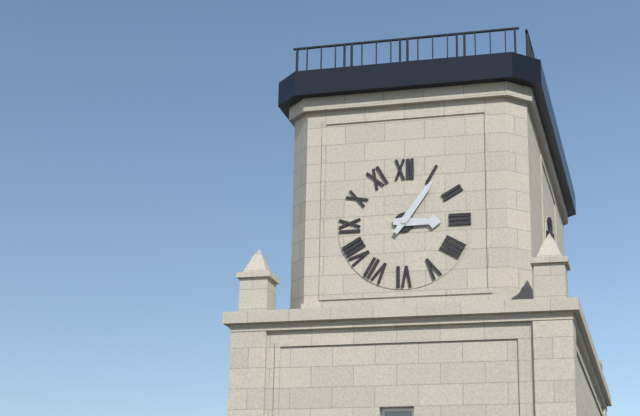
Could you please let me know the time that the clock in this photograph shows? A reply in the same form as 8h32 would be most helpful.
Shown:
3h06
